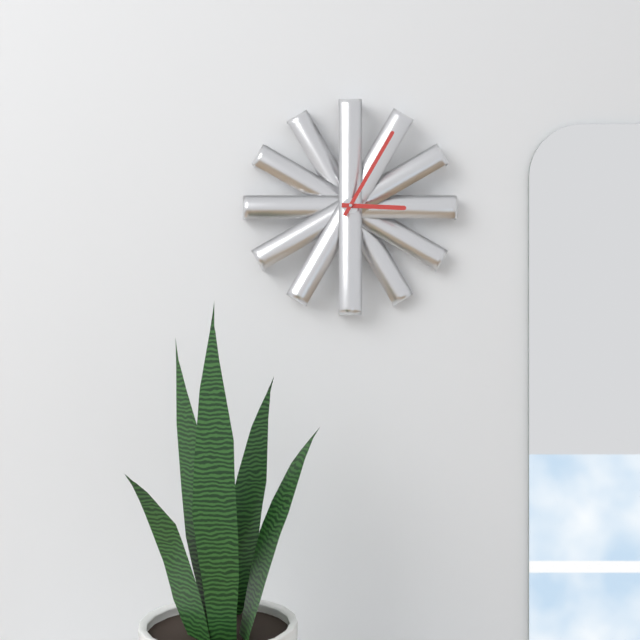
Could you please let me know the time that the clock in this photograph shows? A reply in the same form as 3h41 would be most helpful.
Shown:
3h05
